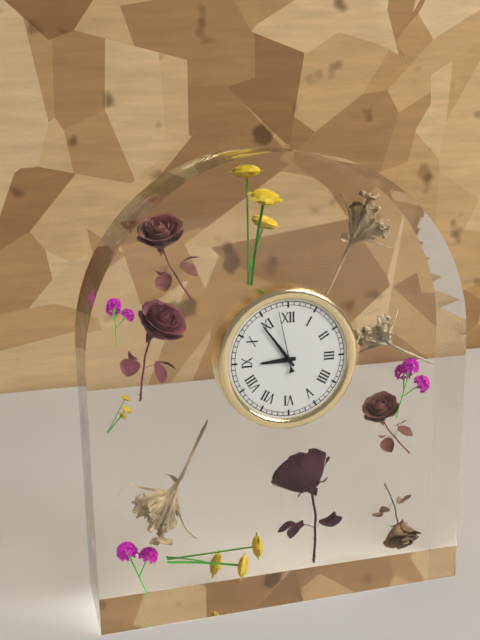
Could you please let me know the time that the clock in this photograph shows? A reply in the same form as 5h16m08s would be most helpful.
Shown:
8h54m58s
